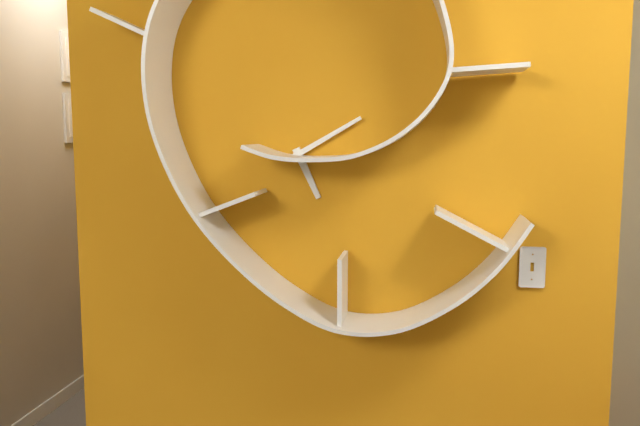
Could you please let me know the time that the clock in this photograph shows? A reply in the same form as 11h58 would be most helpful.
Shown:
5h10
